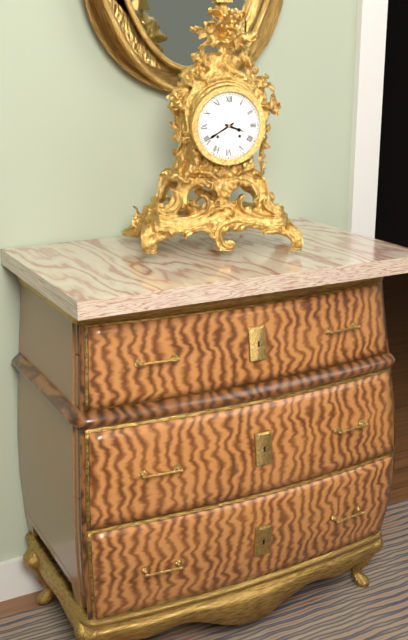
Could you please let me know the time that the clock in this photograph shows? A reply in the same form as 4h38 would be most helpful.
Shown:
3h40
